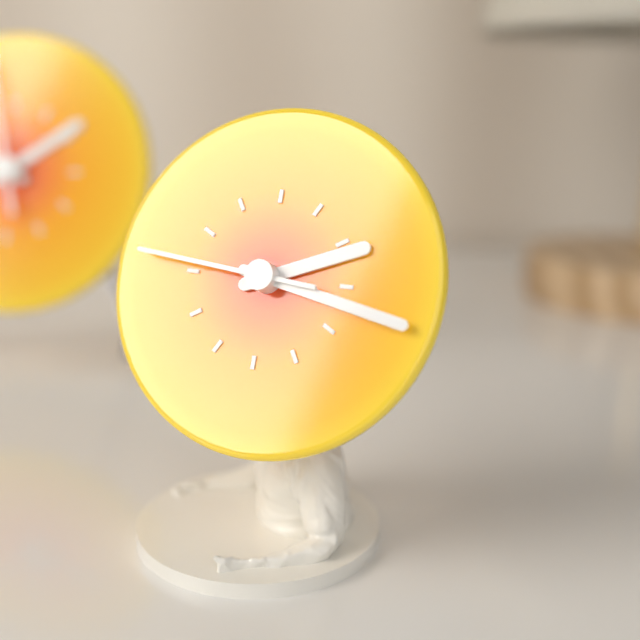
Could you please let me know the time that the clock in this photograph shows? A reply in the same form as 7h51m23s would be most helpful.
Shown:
2h17m46s
